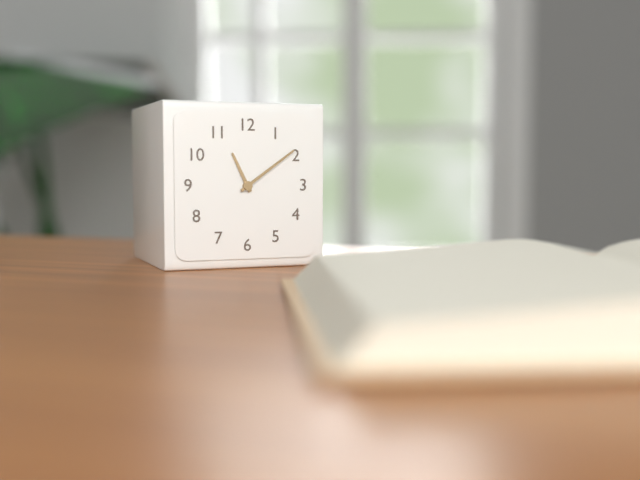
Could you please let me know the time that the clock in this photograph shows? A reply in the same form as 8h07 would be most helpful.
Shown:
11h09
